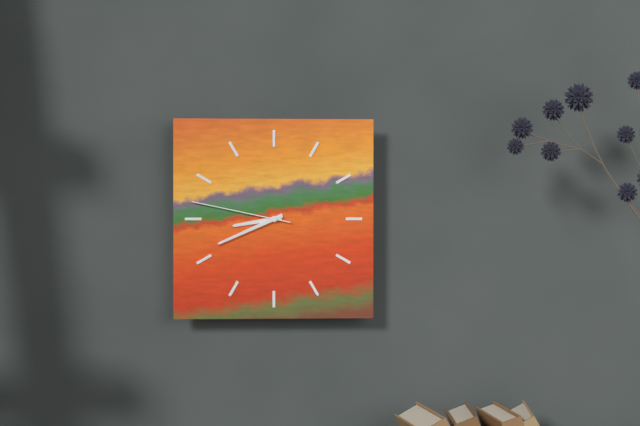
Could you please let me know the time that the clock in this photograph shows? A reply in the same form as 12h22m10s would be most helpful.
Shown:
8h41m47s
